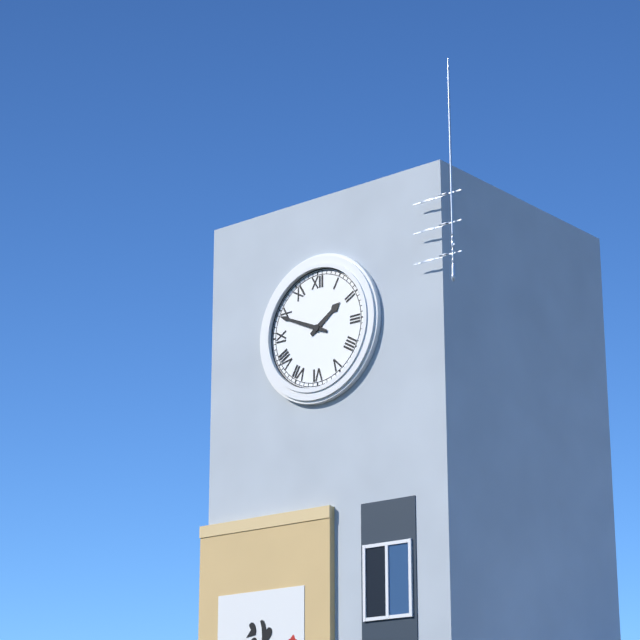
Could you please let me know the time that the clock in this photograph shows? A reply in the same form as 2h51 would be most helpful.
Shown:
1h49
